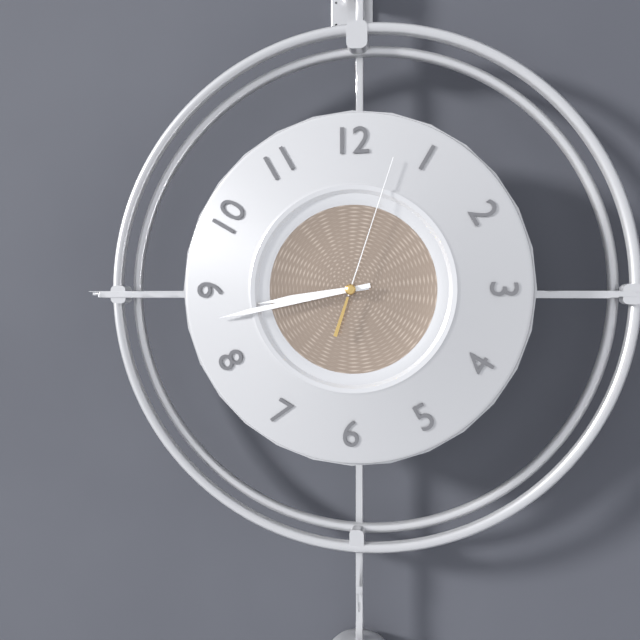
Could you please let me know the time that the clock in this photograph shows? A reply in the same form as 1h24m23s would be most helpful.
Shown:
8h43m03s
